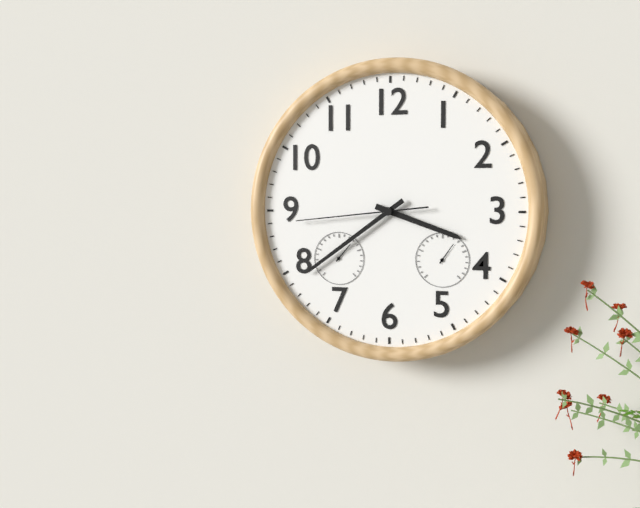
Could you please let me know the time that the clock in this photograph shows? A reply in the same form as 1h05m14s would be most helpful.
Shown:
3h39m44s
